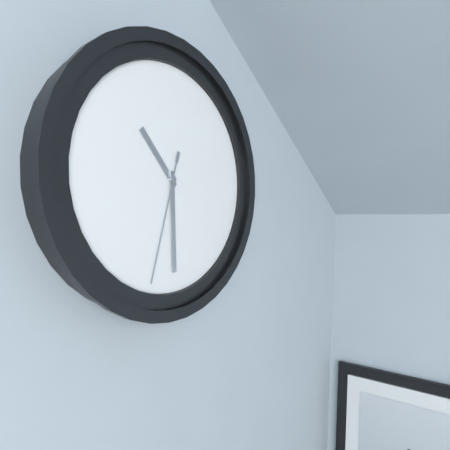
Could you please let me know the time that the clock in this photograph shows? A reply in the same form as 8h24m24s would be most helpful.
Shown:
10h29m32s
